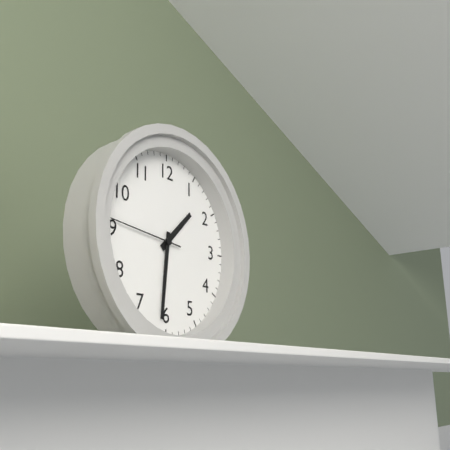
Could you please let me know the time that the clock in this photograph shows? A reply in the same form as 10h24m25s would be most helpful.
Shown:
1h31m46s
